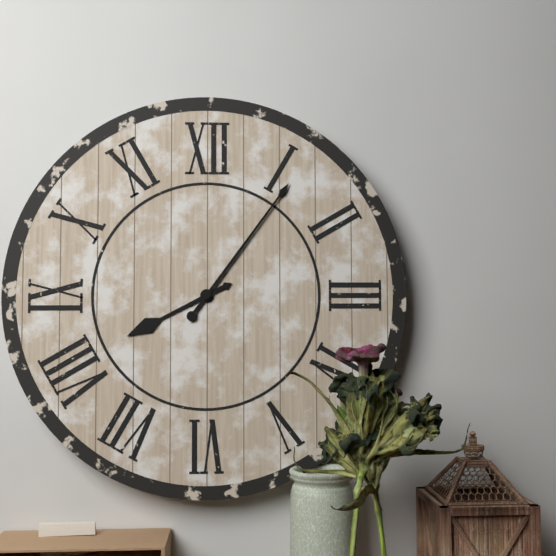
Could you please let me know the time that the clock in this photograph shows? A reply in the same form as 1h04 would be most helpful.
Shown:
8h06
